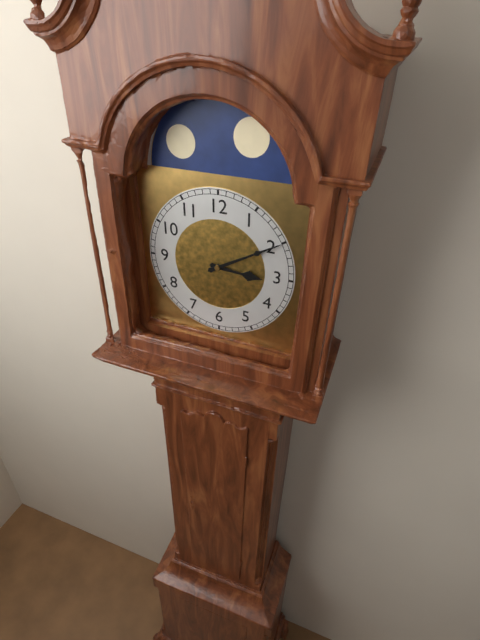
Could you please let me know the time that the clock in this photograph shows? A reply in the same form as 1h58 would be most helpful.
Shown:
3h10
